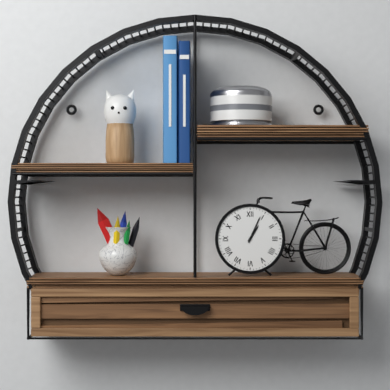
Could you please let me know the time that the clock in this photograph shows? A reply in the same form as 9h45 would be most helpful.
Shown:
1h04
